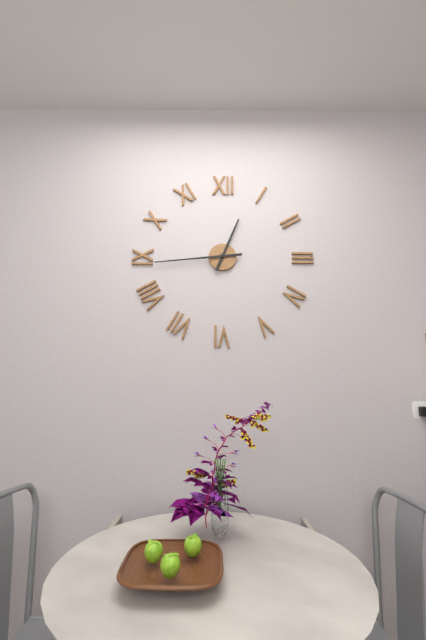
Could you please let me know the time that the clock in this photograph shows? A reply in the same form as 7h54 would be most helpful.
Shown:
12h44
